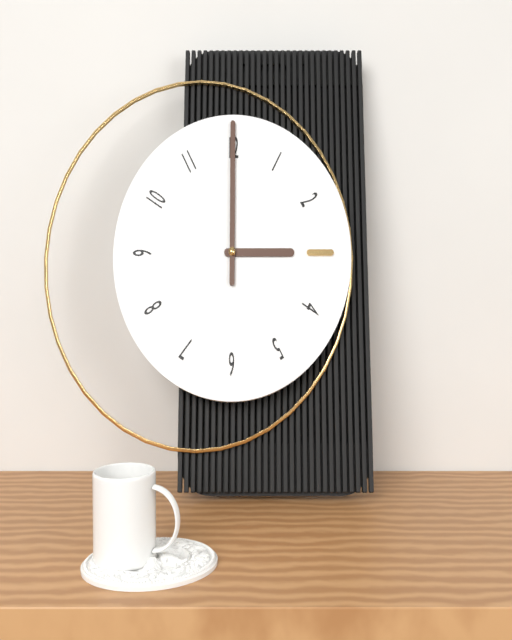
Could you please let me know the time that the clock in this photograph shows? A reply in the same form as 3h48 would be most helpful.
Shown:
3h00
